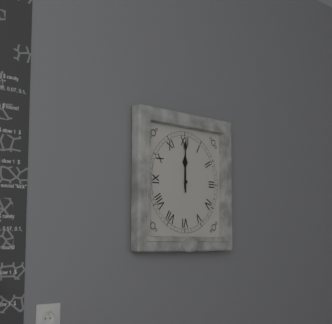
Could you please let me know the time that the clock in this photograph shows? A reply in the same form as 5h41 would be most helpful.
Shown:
12h00
